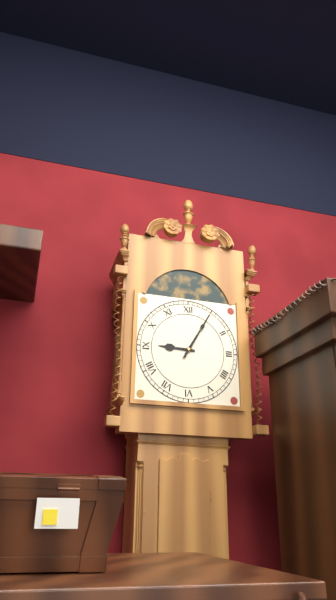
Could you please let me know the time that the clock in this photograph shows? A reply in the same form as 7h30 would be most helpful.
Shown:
9h05
